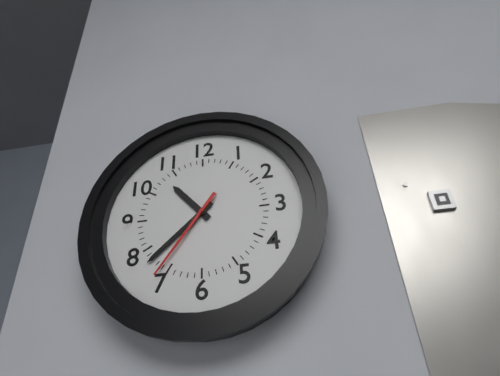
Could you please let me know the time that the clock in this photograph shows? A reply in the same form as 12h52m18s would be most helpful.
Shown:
10h38m36s
